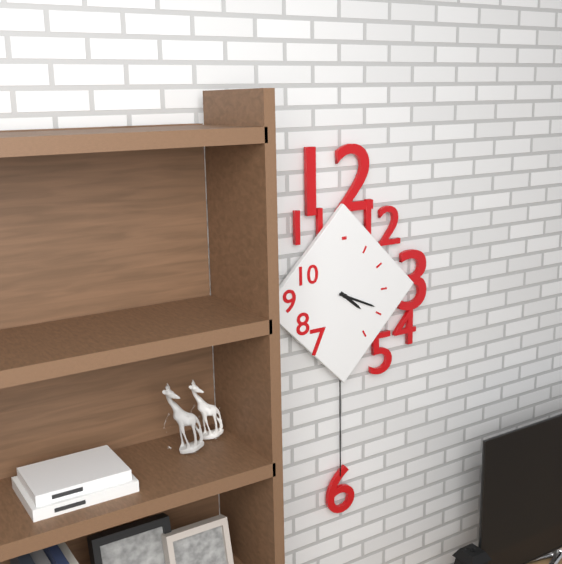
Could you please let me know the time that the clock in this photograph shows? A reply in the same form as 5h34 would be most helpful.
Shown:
4h19
